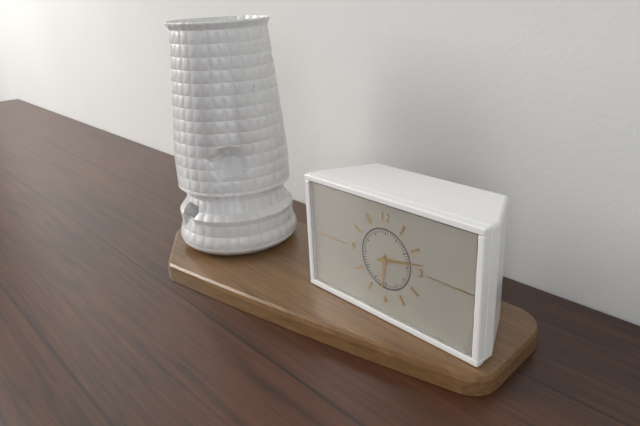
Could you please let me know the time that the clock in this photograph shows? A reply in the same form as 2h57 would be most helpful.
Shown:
6h13
